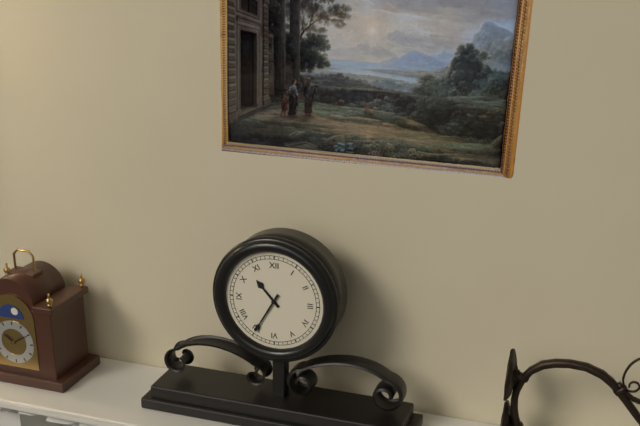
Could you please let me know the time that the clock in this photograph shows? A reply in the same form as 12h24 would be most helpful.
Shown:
10h35
